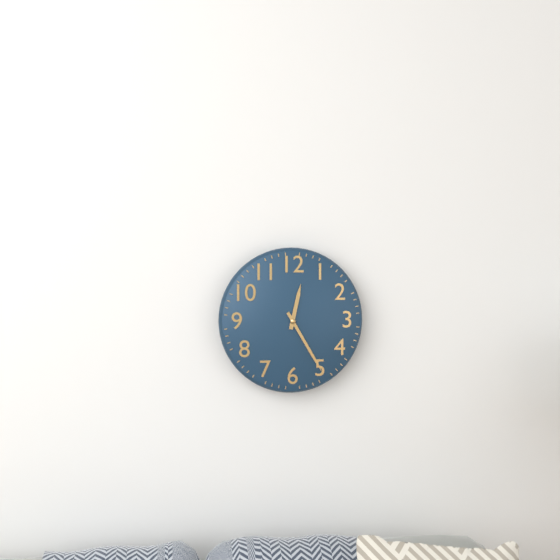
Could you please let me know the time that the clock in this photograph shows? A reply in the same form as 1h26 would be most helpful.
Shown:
12h25
